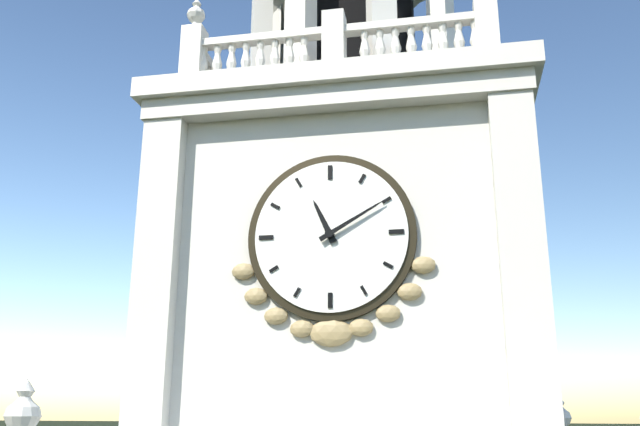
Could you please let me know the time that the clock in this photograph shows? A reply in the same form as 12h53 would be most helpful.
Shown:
11h10
